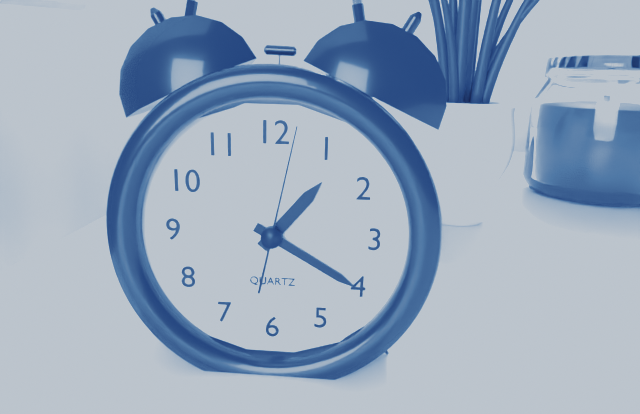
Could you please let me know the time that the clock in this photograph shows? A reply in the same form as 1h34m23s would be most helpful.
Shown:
1h20m02s
